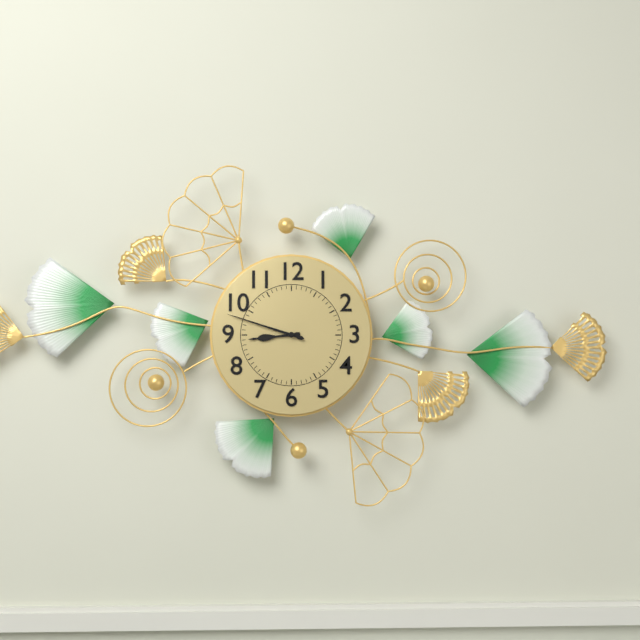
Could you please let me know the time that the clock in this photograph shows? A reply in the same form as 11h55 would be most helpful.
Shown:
8h48
